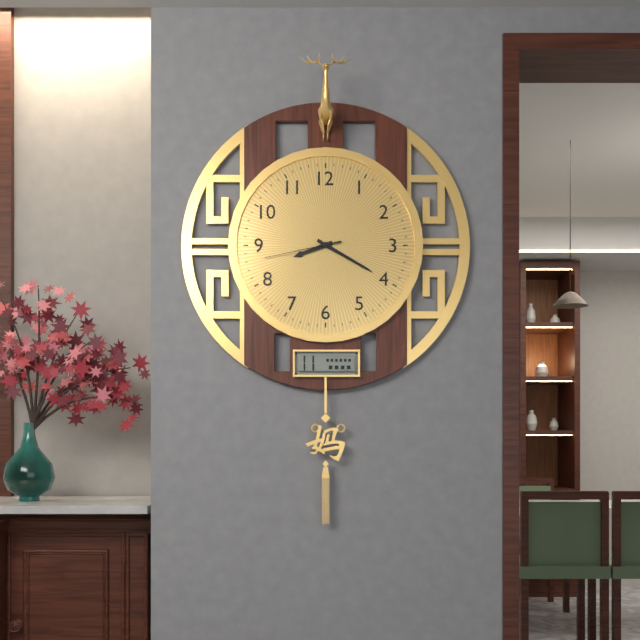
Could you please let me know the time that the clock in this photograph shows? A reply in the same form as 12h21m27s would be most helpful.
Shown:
8h20m43s
